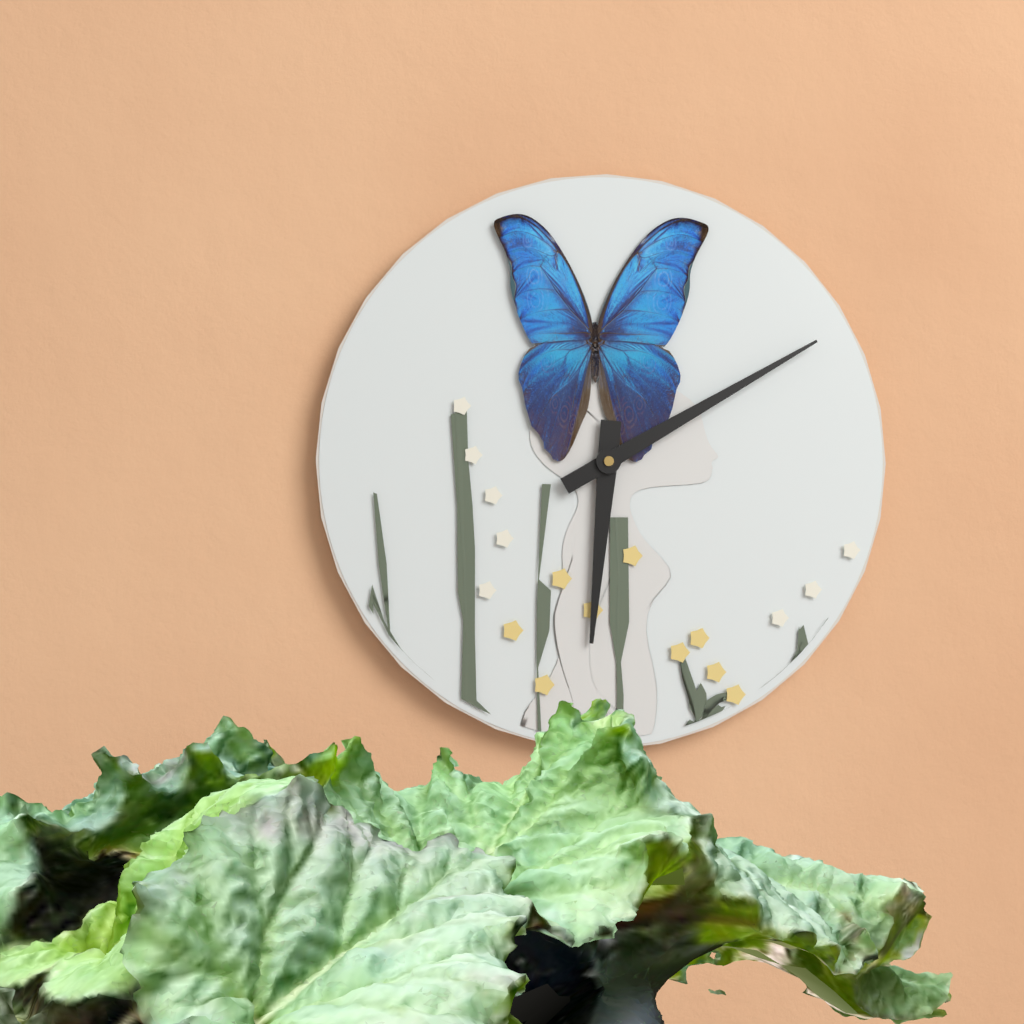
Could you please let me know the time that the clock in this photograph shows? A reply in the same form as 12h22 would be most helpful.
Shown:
6h10
